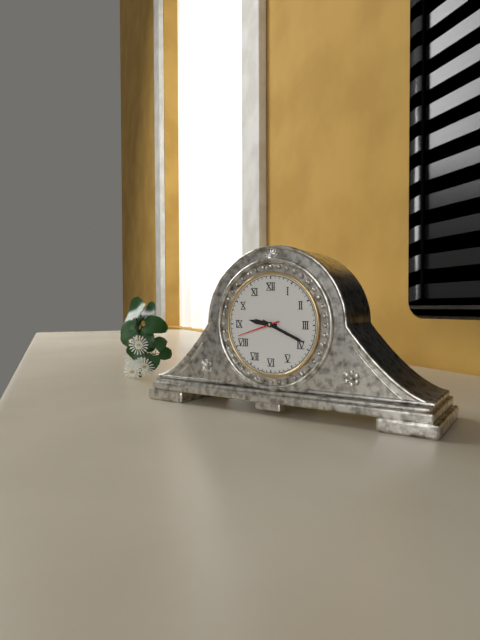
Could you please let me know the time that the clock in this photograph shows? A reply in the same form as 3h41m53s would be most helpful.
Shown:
9h19m42s
